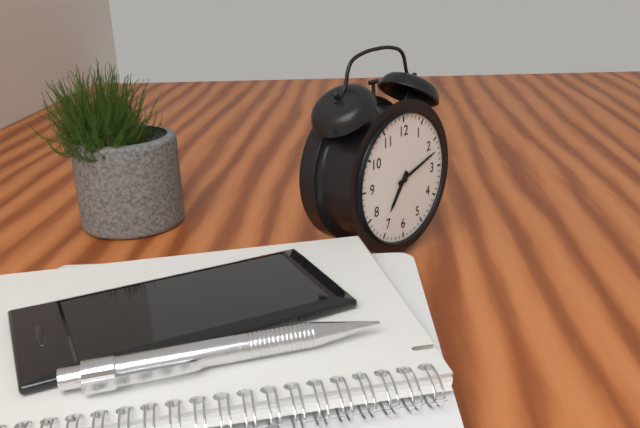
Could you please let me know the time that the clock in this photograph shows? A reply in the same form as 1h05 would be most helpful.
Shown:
7h12
